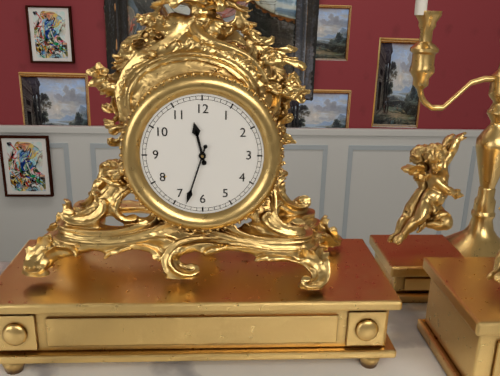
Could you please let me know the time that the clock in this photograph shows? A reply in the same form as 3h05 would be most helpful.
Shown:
11h33
